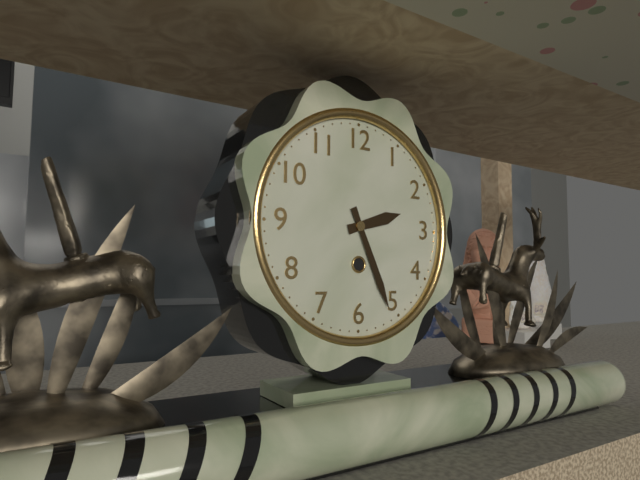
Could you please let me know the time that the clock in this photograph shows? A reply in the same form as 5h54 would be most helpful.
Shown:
2h26
